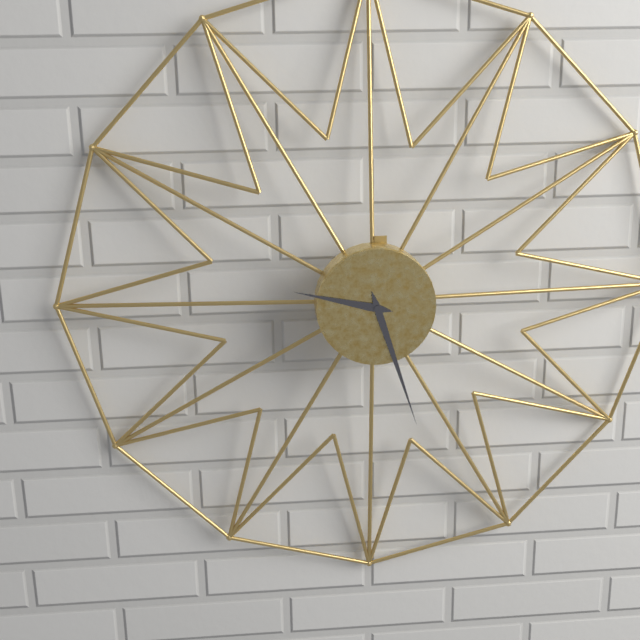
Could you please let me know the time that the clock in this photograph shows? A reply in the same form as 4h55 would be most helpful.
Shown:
9h27
